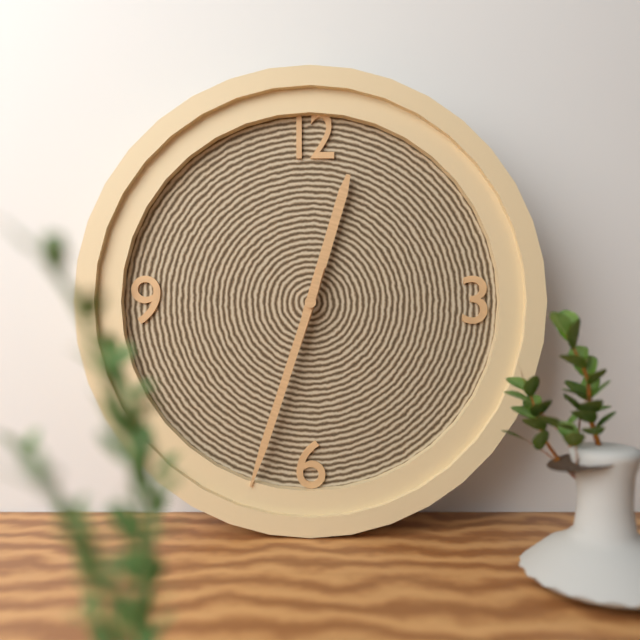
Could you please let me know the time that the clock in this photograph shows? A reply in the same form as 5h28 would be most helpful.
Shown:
12h33
